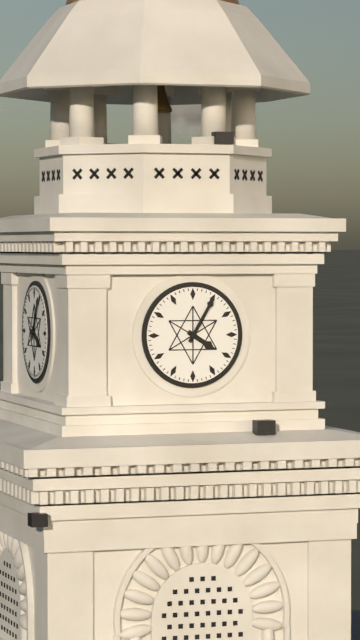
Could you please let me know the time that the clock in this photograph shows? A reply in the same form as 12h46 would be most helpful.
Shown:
4h05
